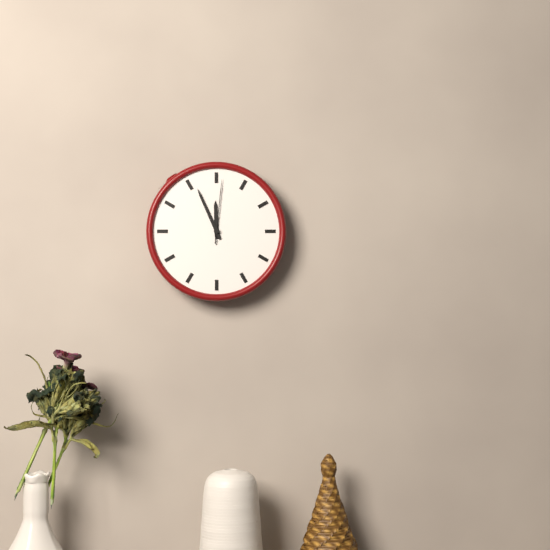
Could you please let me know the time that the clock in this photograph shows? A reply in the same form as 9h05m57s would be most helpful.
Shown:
11h56m01s
